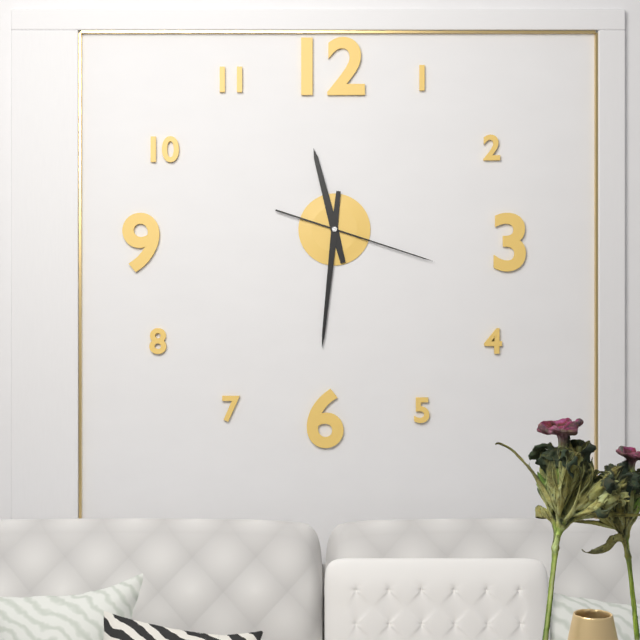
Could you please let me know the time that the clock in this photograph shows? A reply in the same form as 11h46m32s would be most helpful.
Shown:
11h31m18s
